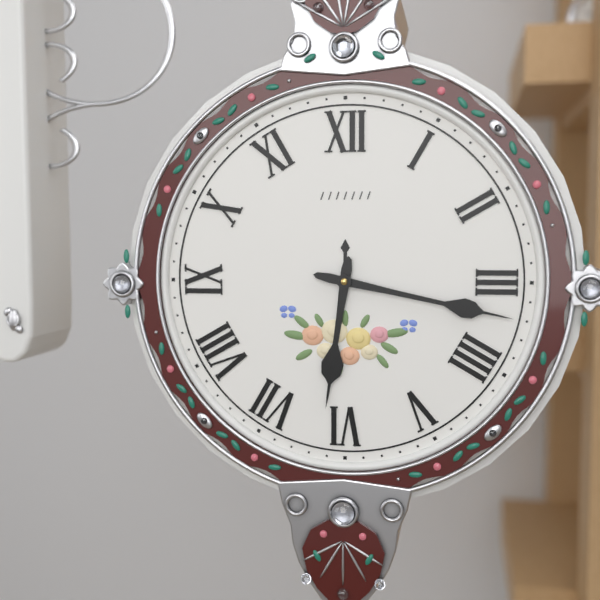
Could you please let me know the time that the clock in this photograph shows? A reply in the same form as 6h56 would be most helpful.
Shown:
6h17
